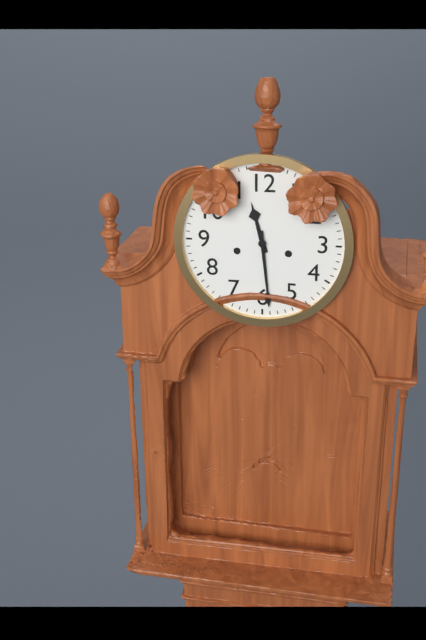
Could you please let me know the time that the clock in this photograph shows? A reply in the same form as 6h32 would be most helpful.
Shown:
11h29
